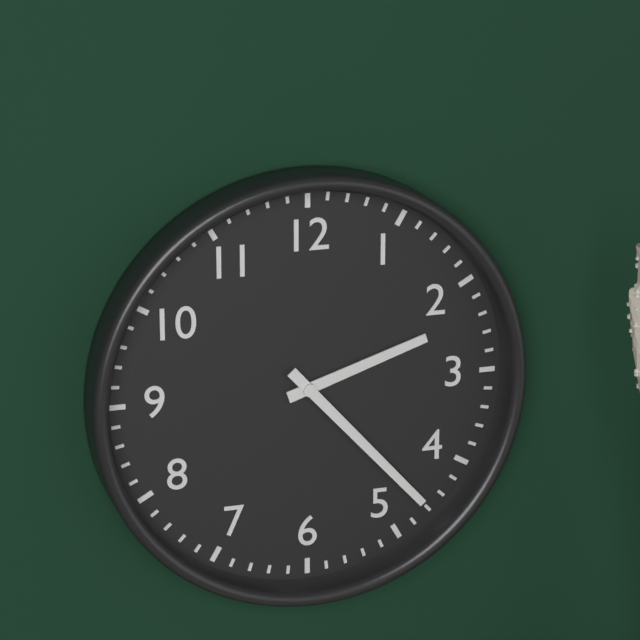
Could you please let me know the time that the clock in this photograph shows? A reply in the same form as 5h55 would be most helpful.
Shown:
2h23
